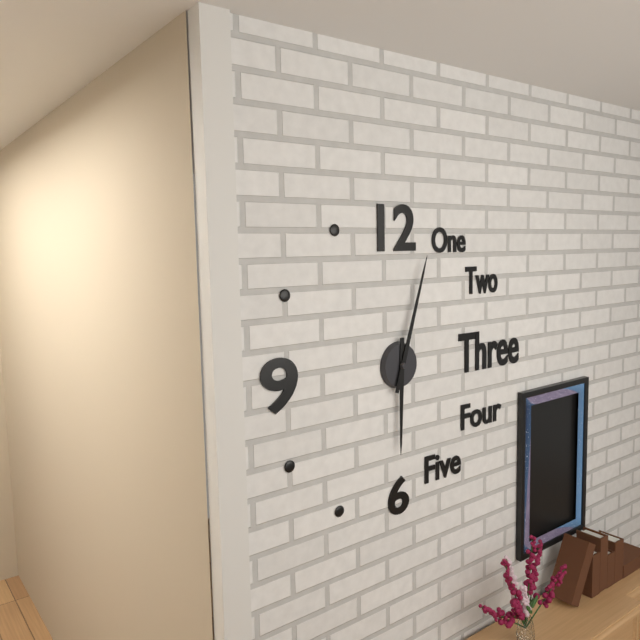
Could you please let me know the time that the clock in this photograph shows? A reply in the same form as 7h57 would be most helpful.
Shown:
6h03
